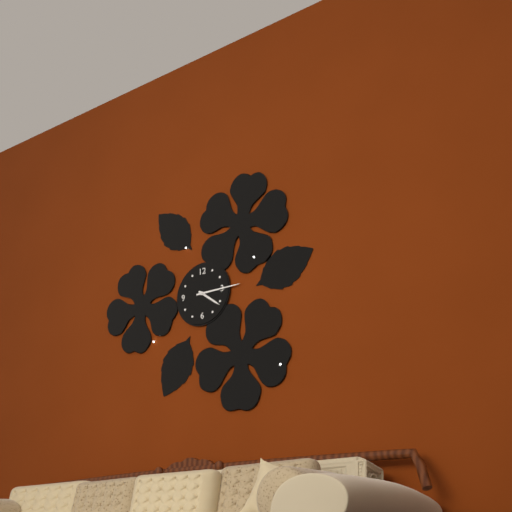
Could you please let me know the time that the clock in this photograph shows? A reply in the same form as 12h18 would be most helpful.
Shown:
4h15
